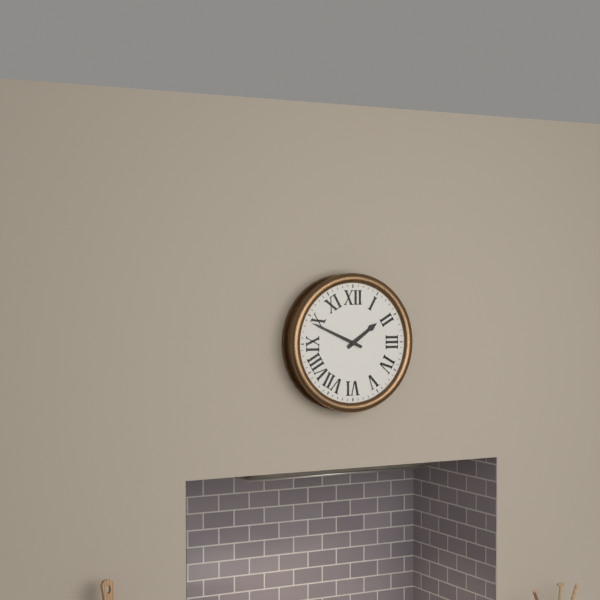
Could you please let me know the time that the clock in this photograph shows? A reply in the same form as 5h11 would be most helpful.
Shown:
1h49
